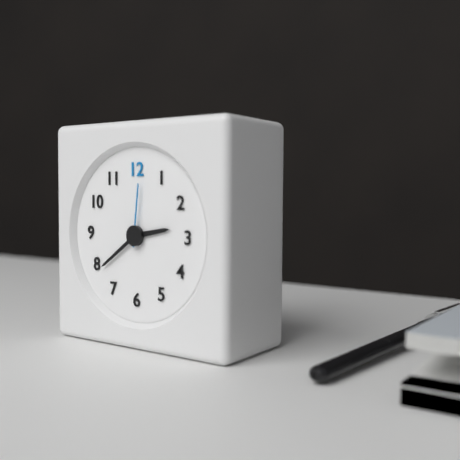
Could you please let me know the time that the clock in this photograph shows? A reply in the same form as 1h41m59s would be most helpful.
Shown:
2h39m01s
